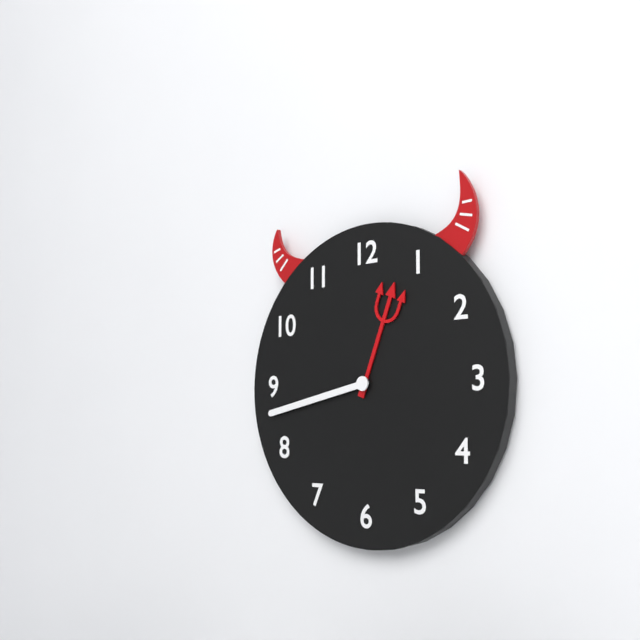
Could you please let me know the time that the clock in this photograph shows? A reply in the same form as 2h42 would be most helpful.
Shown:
12h43
